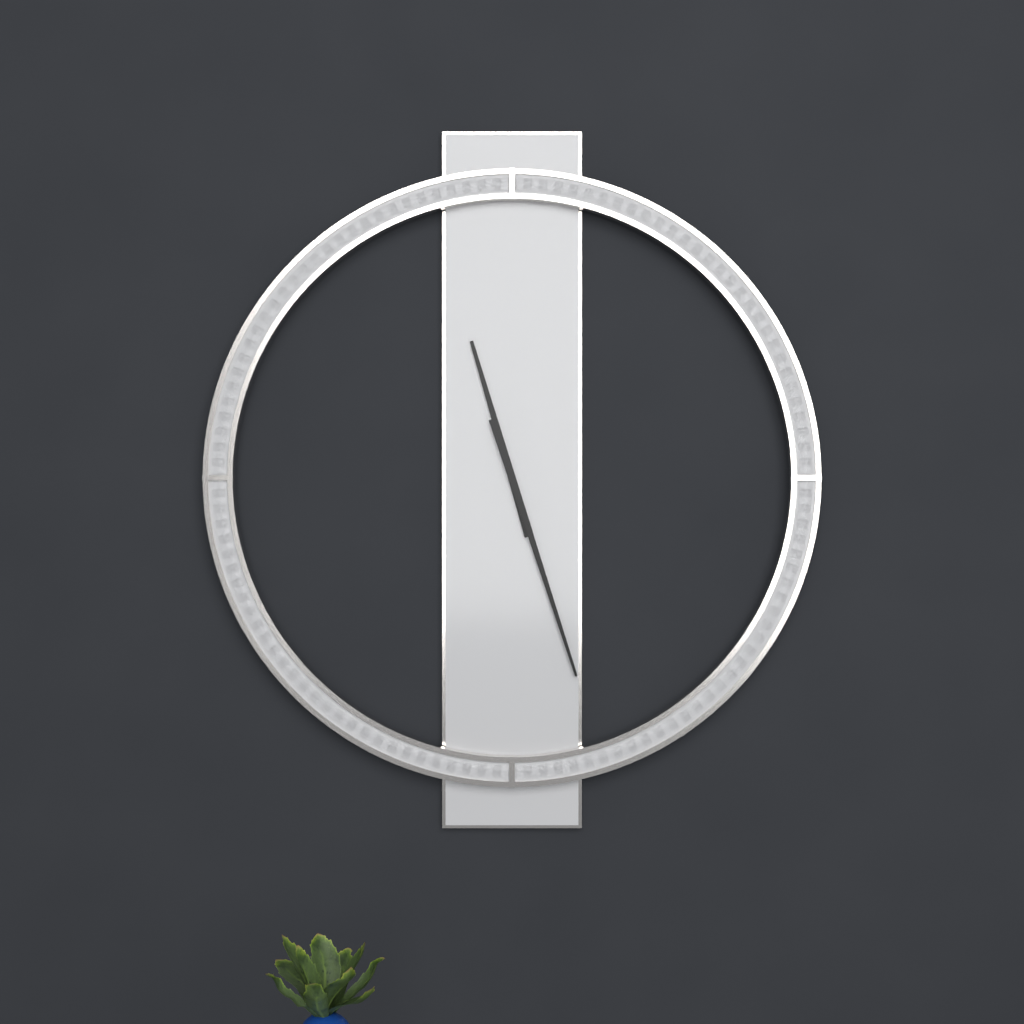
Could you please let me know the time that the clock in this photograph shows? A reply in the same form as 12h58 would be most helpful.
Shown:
11h27
